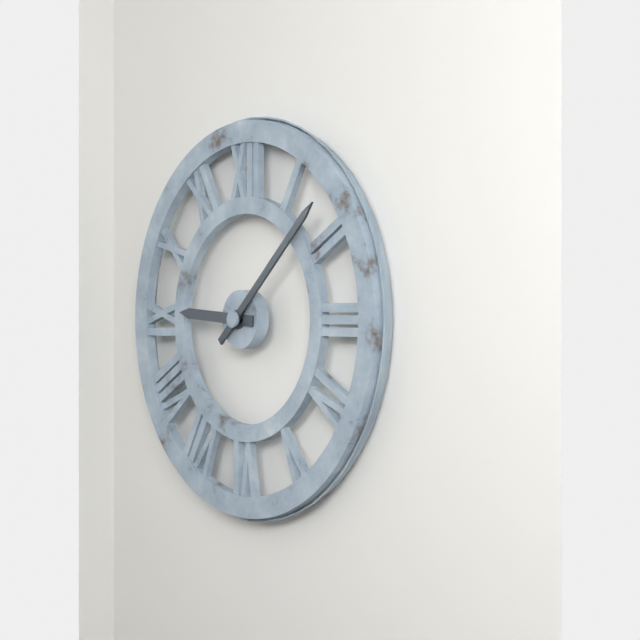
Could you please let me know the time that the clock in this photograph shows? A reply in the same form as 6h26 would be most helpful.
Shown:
9h08
